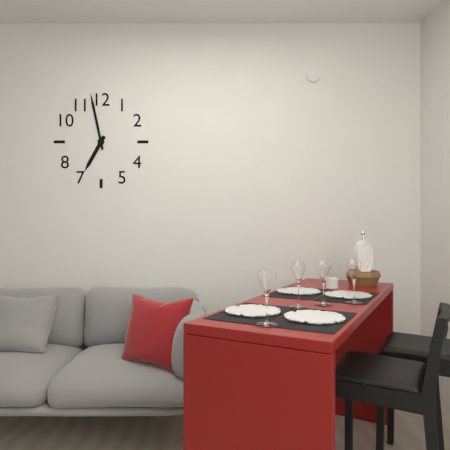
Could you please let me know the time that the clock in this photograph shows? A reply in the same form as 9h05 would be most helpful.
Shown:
6h58
